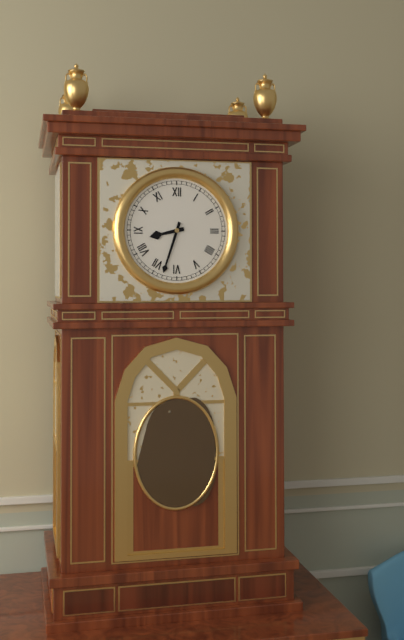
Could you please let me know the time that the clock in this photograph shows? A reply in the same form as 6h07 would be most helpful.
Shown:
8h33
